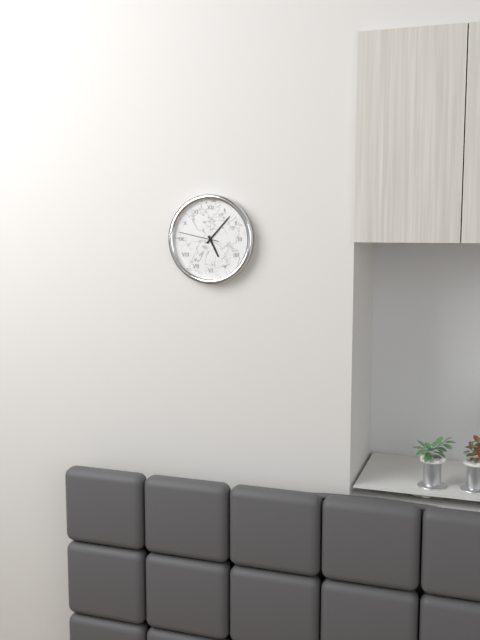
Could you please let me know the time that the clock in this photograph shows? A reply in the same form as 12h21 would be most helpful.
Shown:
5h07
